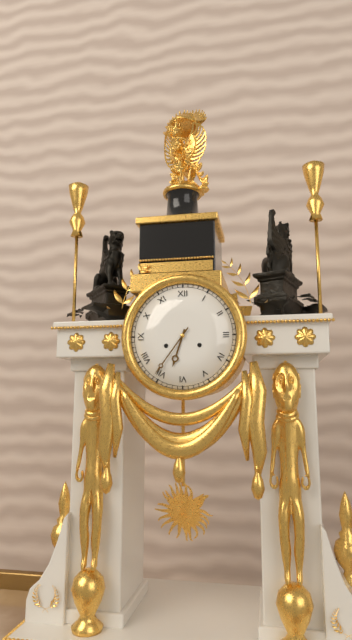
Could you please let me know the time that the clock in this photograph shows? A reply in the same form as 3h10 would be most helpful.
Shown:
6h36
